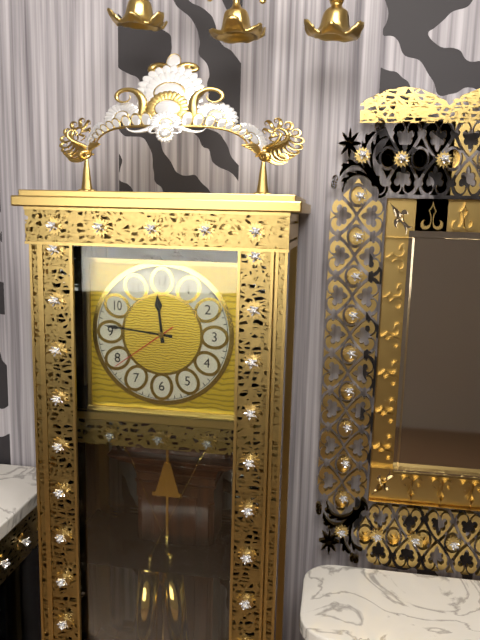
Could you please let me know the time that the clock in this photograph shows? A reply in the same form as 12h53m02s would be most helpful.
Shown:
11h46m39s
